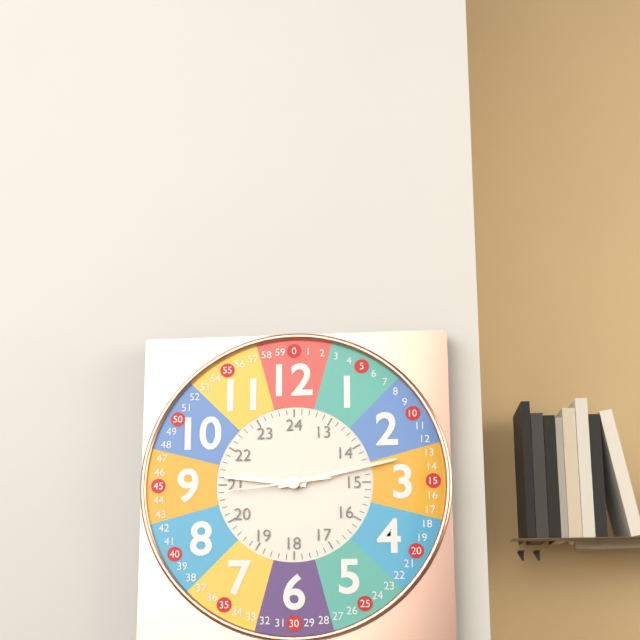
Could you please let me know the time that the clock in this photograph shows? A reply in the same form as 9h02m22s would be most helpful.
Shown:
9h13m44s
